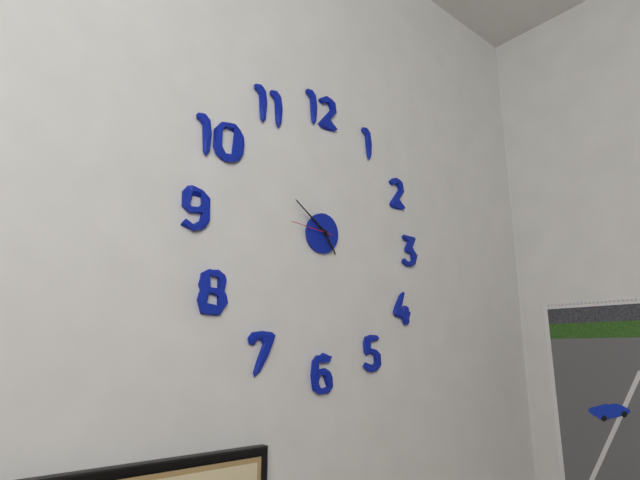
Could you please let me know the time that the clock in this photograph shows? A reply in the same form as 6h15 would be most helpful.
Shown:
4h51
